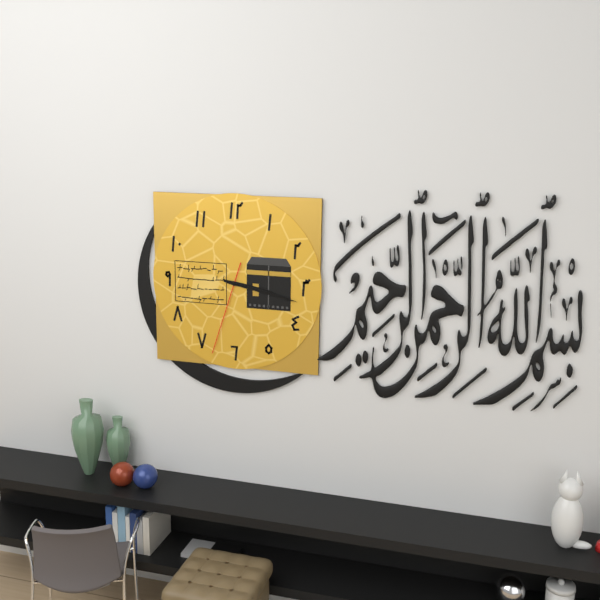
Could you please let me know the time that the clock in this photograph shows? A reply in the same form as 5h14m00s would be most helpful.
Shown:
3h17m33s
